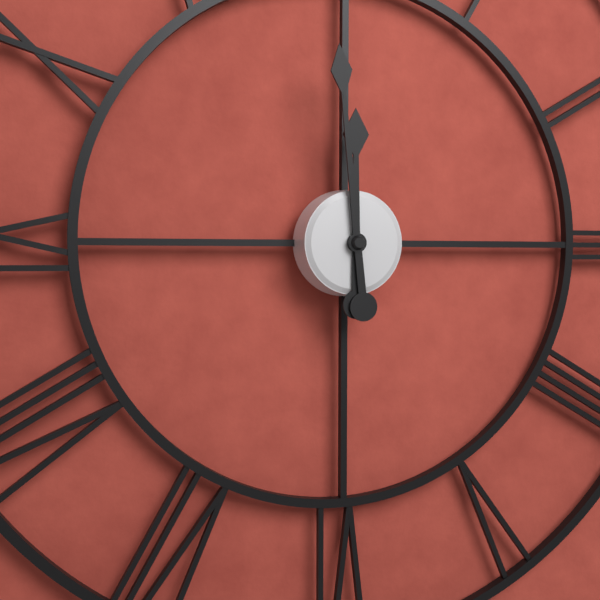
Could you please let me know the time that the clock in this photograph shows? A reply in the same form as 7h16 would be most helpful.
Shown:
11h59
